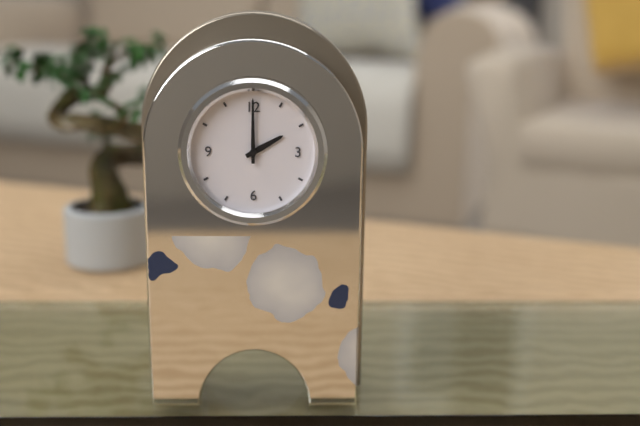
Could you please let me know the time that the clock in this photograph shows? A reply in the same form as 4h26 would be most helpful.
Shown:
2h00
